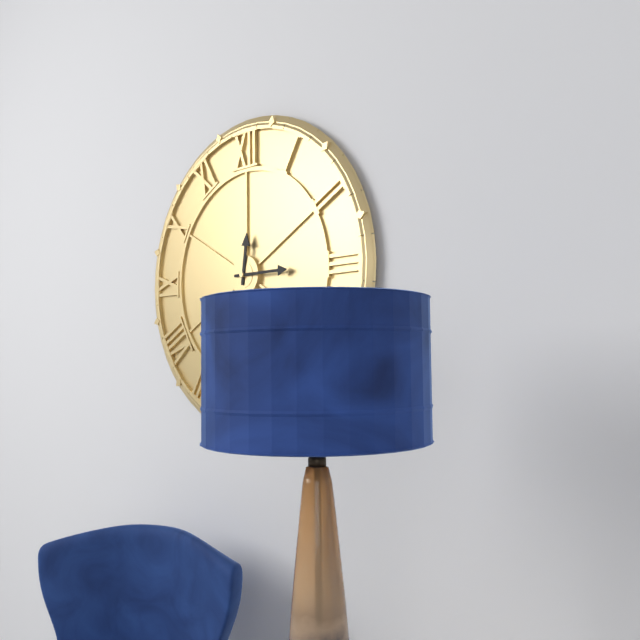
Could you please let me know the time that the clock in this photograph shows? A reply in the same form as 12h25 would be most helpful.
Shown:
12h15
